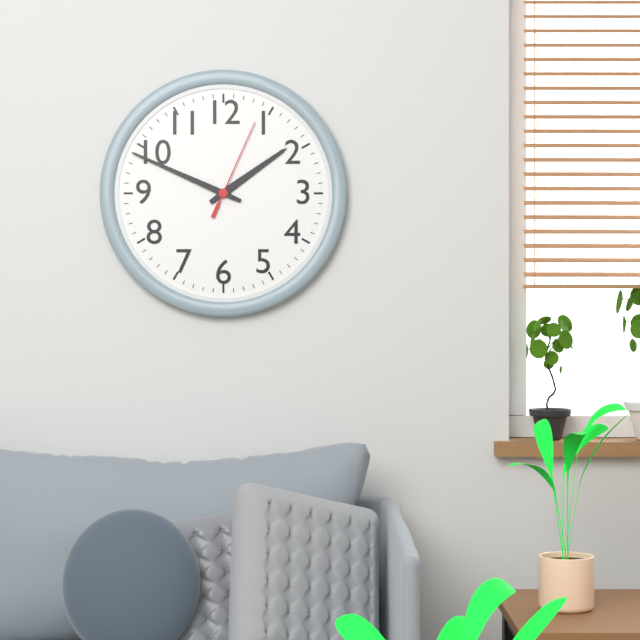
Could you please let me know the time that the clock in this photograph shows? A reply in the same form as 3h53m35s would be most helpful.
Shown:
1h49m04s
